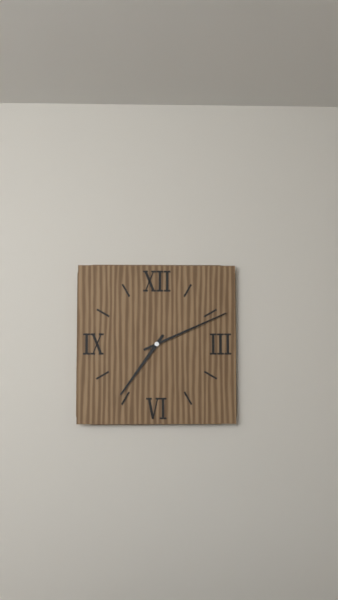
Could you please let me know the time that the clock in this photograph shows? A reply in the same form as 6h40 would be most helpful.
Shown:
7h11
